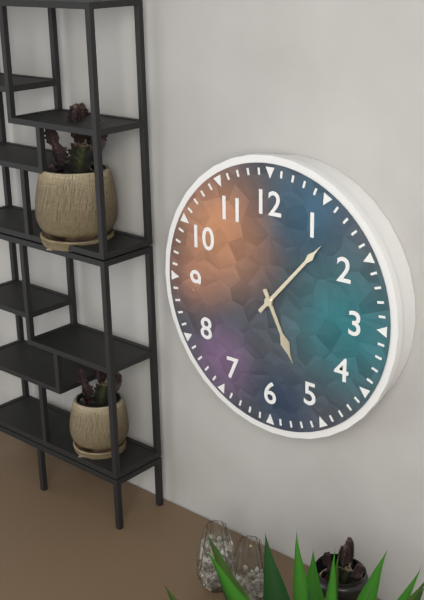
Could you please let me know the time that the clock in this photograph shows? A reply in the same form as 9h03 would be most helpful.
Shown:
5h07
